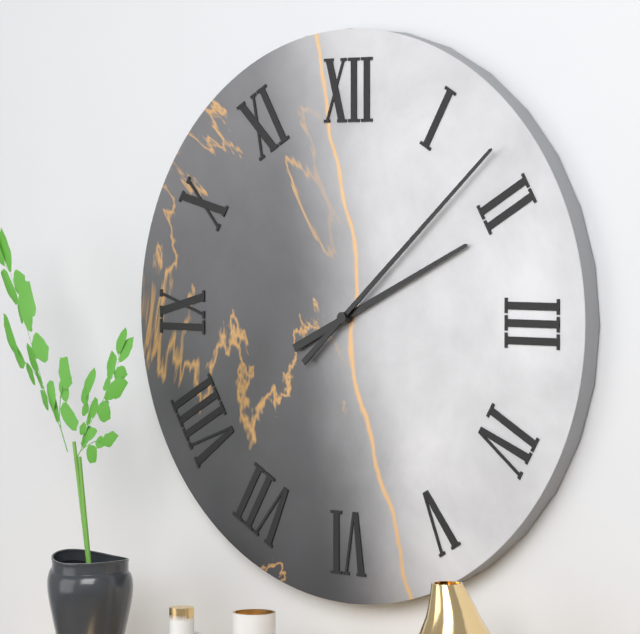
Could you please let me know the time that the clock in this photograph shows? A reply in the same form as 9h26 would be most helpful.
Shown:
2h08
